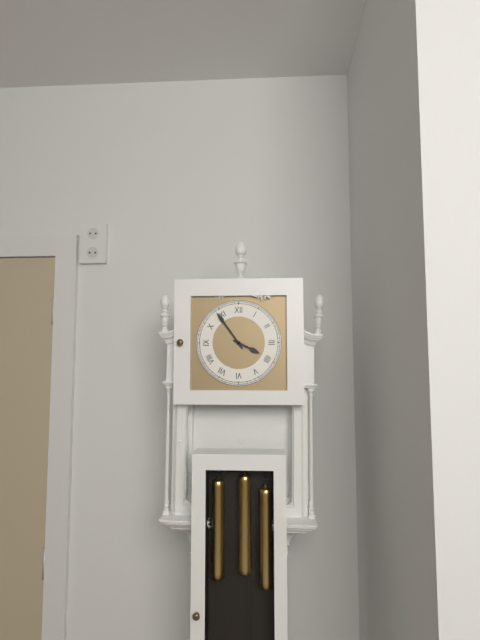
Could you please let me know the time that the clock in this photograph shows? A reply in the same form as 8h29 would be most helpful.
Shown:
3h54
